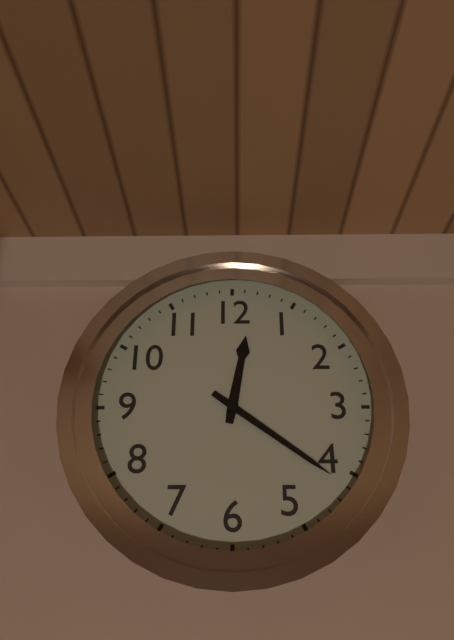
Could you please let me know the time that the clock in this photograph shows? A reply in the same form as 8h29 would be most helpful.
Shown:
12h21
